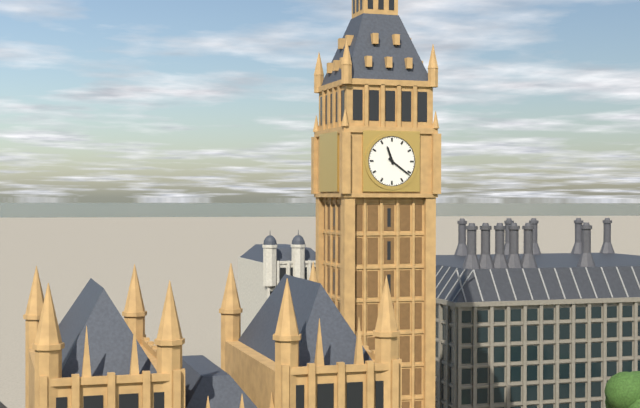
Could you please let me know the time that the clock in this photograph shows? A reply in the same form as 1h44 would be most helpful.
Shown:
11h21
